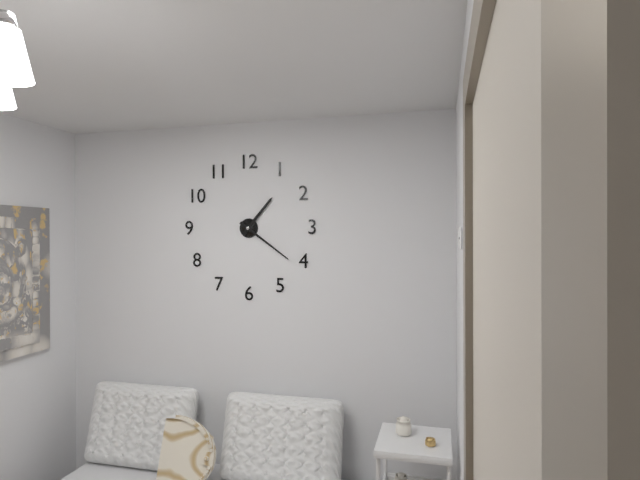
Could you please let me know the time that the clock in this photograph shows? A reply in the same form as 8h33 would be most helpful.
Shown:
1h21
